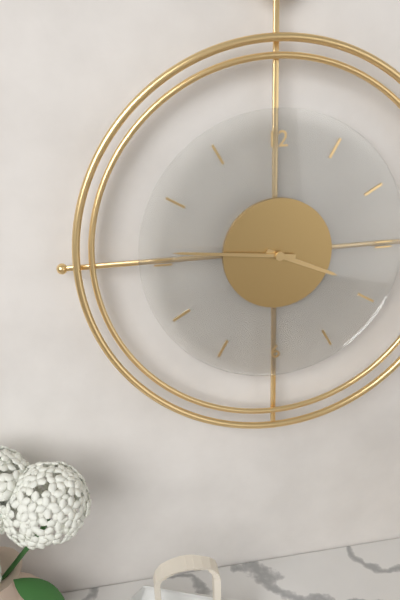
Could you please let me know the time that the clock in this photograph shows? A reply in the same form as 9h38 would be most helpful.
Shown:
3h46
